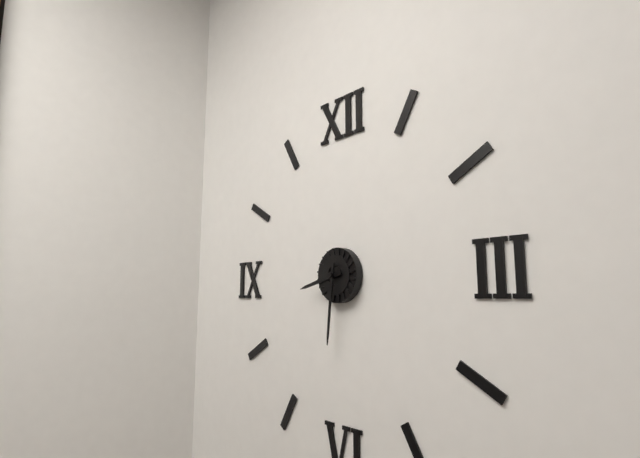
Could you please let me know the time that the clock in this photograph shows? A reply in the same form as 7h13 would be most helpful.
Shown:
8h31
